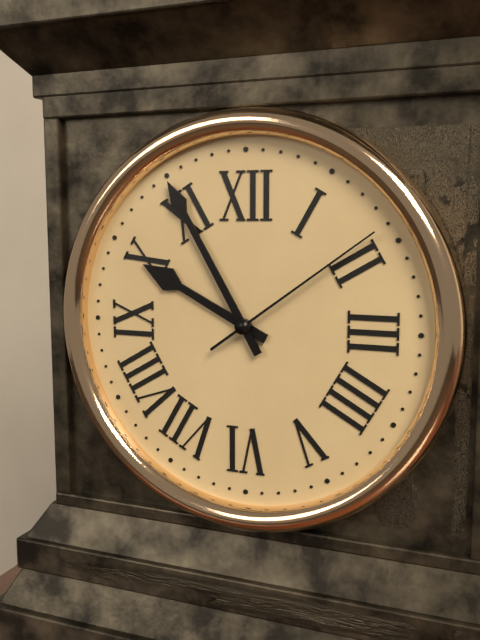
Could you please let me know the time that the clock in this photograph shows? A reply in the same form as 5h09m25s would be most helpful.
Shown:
9h55m09s
